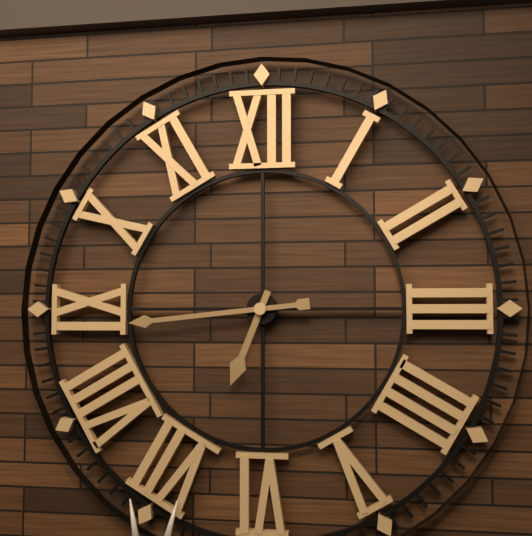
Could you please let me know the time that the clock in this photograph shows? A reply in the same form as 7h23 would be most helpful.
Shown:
6h44
